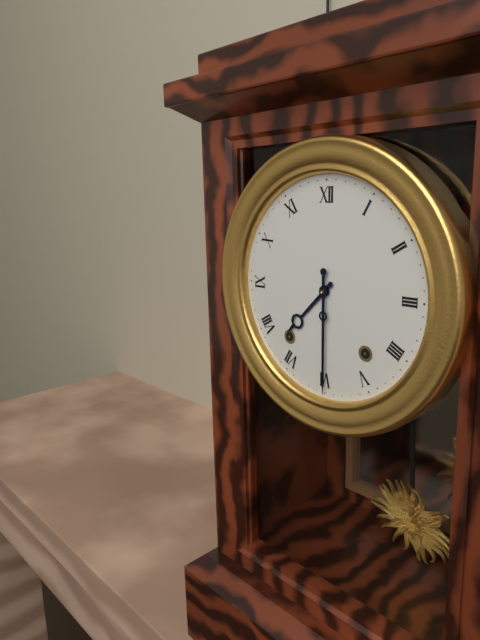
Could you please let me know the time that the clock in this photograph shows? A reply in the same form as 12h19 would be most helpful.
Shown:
7h30
